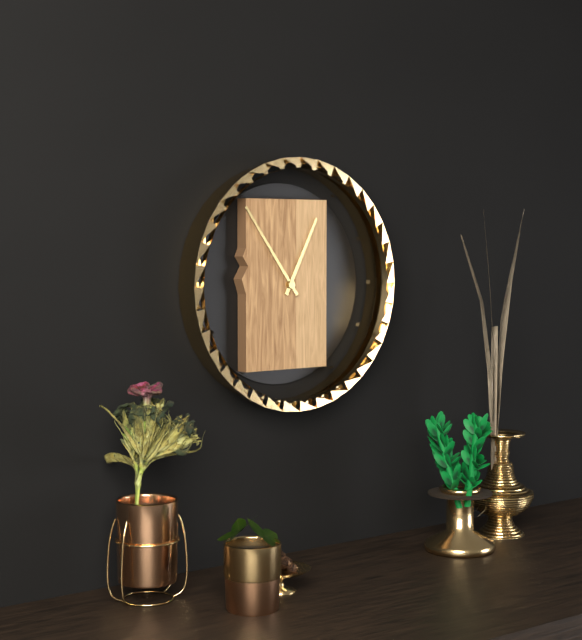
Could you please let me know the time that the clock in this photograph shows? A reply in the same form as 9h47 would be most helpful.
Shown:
12h54
